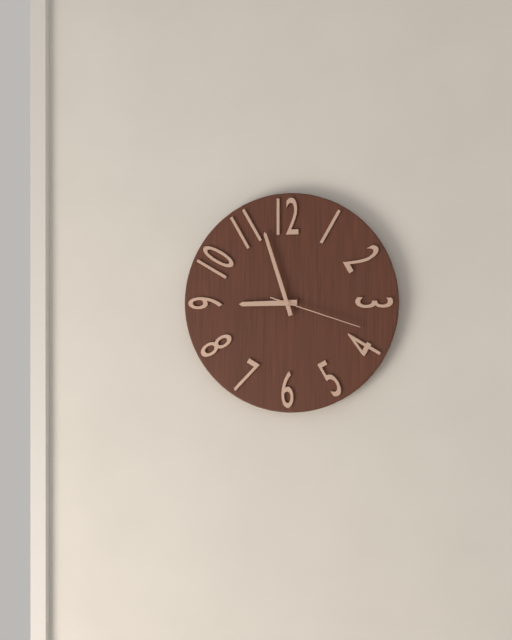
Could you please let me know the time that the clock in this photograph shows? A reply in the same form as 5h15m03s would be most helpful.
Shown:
8h57m18s
